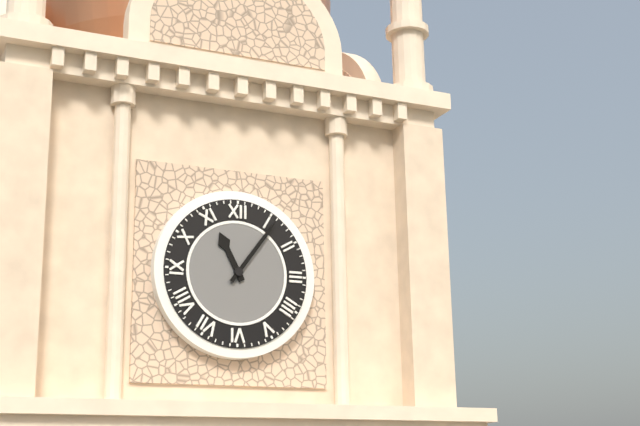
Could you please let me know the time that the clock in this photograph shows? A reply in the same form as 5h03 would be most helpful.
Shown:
11h06
